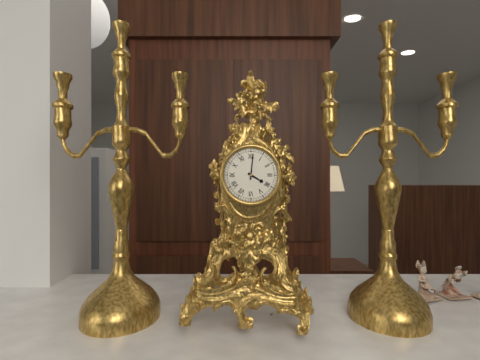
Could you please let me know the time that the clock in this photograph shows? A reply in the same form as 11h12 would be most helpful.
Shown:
4h01
